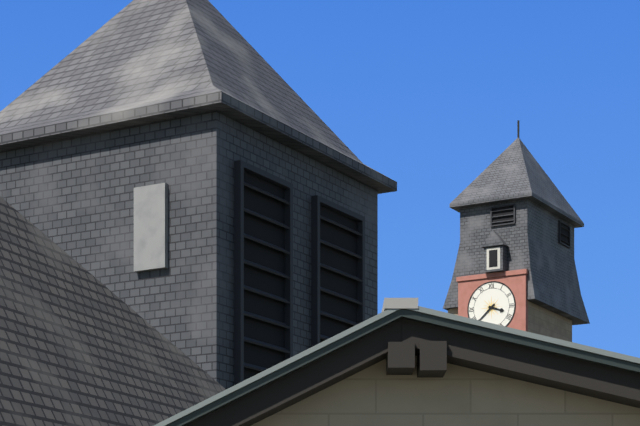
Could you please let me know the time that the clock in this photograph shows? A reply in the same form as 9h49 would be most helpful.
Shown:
3h38
